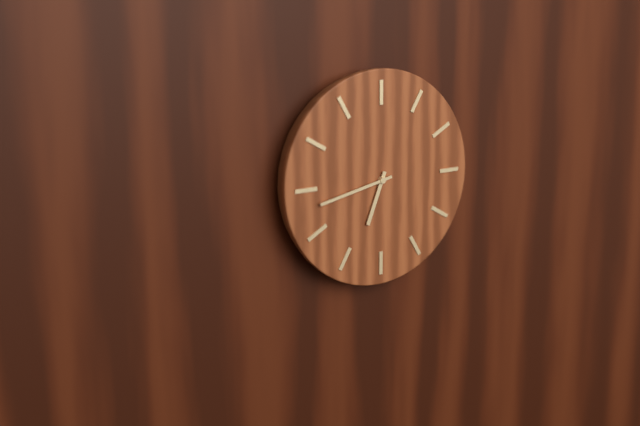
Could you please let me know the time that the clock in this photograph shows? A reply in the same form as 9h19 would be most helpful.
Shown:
6h43
